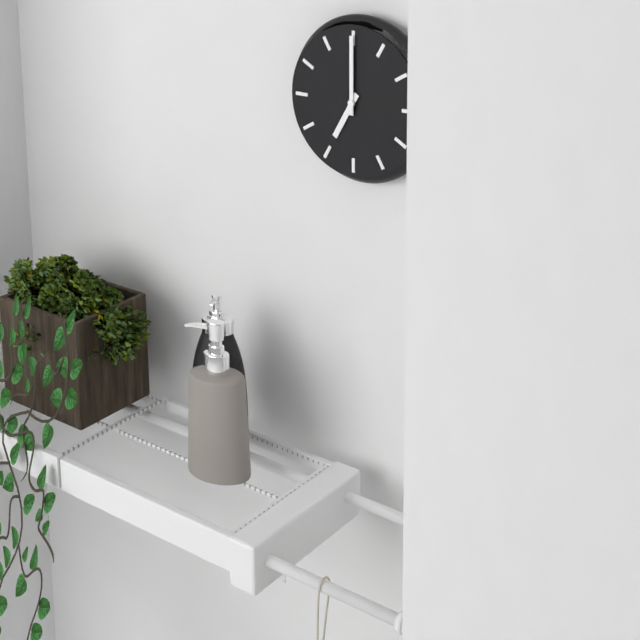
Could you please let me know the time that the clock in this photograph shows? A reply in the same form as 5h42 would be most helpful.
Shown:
7h00
